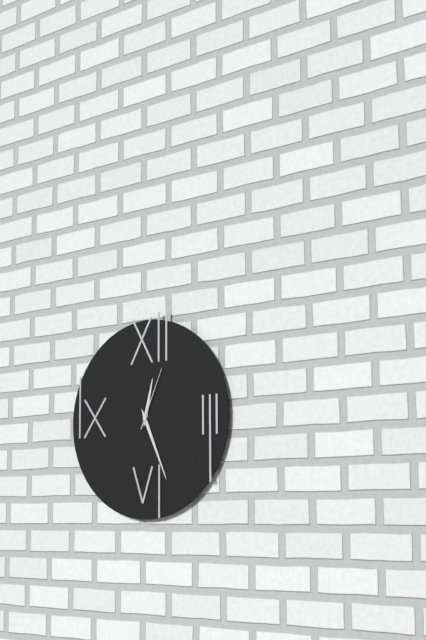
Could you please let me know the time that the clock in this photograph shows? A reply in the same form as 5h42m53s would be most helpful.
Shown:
12h26m04s
